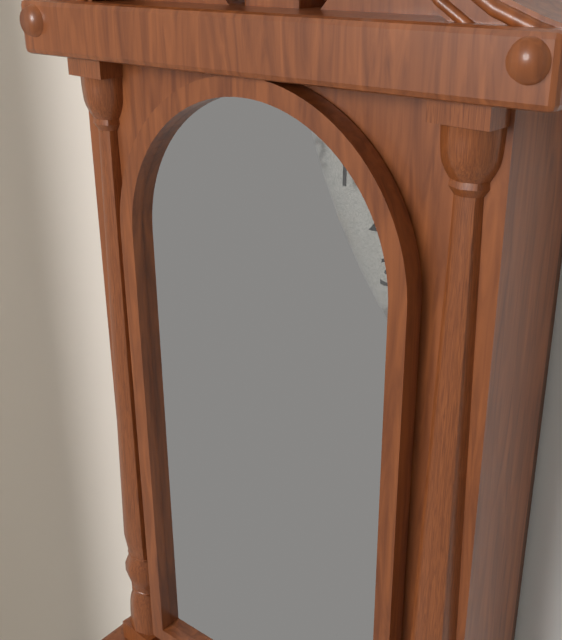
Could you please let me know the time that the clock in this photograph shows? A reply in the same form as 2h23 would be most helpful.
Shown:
11h31
